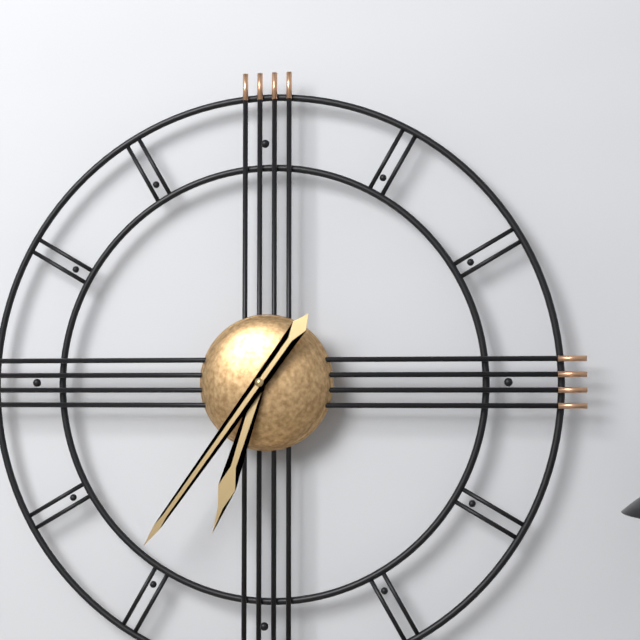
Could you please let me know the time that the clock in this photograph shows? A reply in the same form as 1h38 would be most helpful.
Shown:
6h36
